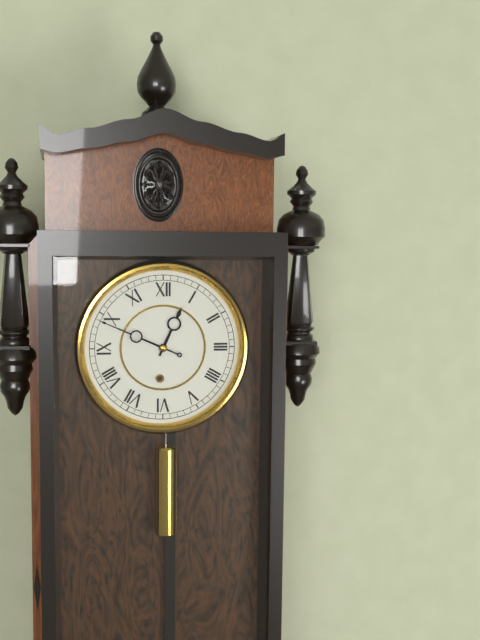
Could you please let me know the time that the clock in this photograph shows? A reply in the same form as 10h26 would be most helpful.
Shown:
12h49
